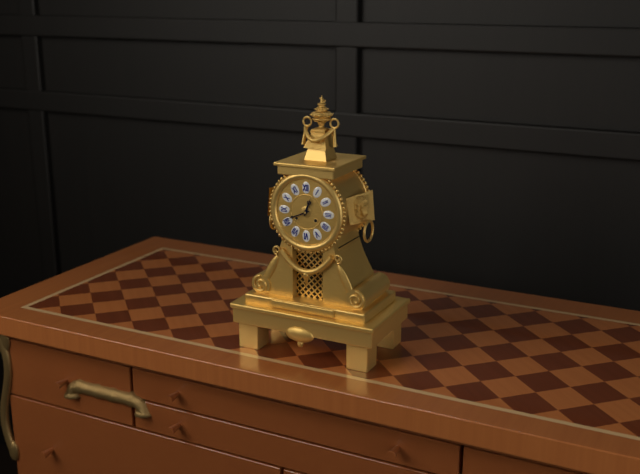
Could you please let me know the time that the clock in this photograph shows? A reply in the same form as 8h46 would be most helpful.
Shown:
12h41
